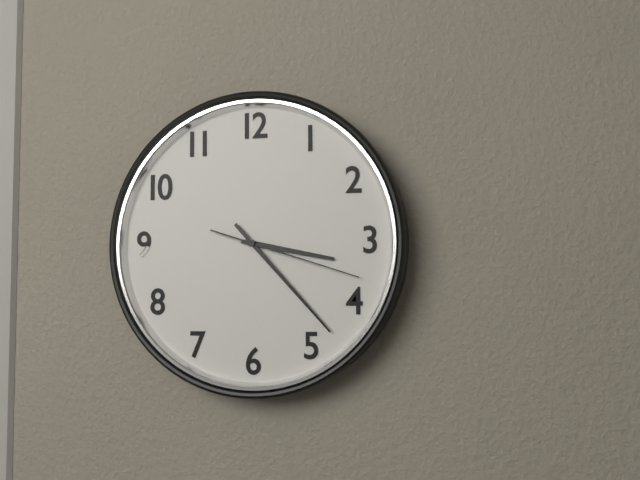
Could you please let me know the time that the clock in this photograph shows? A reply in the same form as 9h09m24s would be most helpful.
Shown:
3h23m18s
